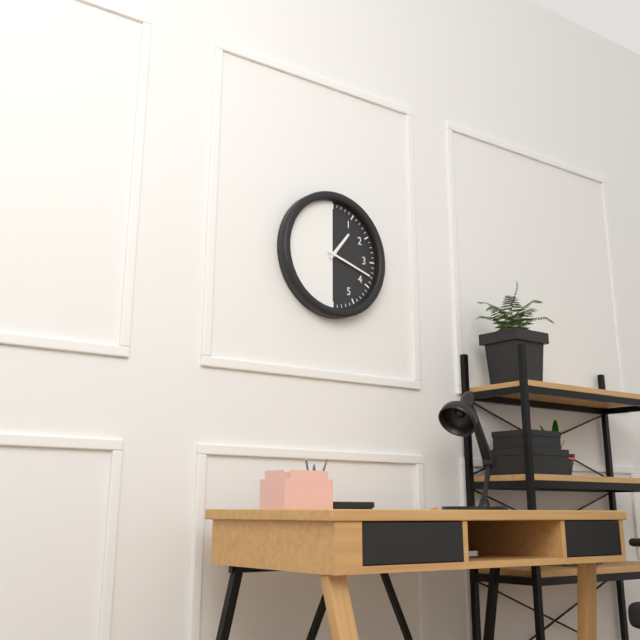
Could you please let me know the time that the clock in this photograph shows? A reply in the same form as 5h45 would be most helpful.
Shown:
1h18
